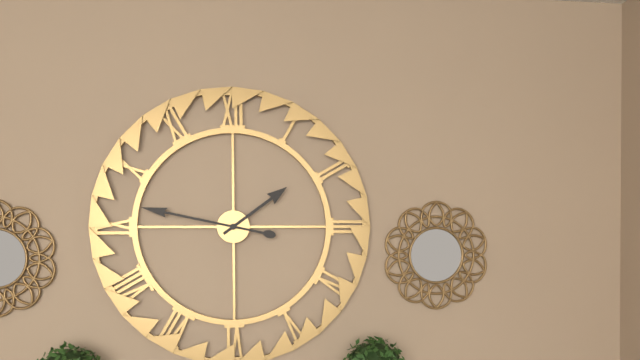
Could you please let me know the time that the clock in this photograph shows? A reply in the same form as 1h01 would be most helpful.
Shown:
1h47
